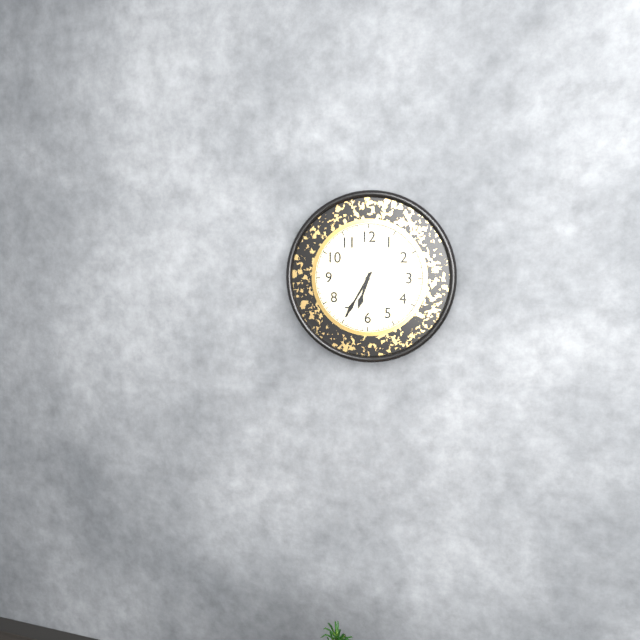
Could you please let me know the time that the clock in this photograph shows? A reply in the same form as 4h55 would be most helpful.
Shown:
6h35
